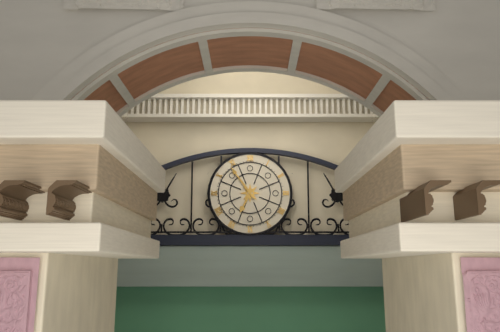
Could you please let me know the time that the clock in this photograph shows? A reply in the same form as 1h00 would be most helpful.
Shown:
6h54
